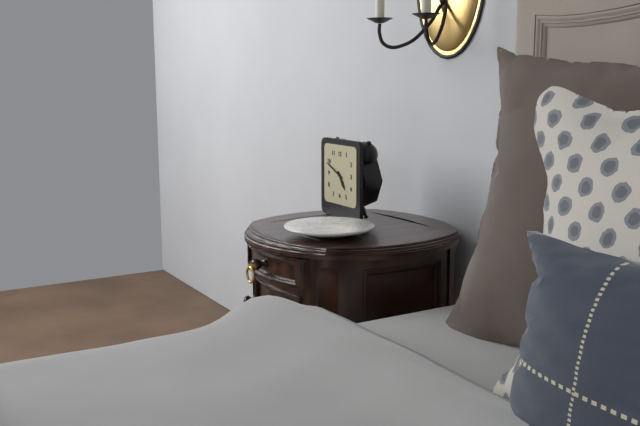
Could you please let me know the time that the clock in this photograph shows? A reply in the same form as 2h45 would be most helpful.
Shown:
4h49
